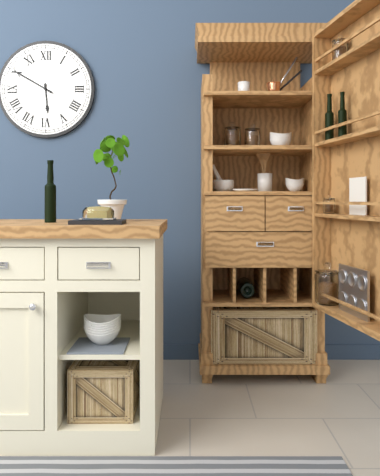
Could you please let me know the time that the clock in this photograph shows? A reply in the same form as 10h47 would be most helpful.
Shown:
5h50
